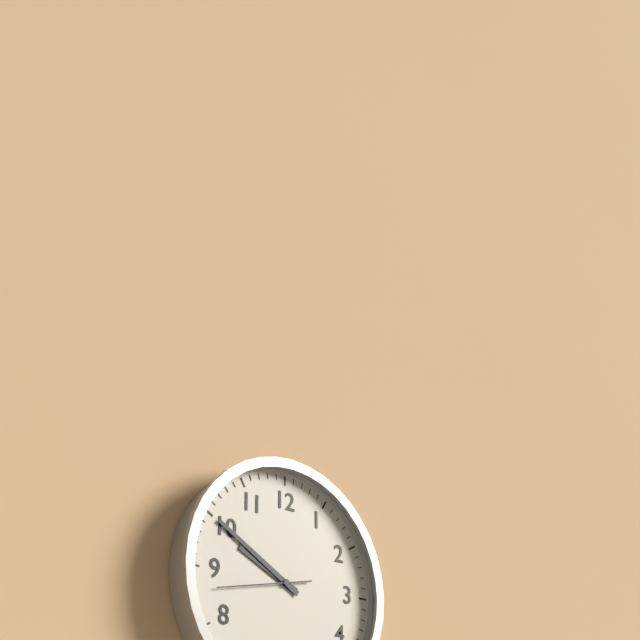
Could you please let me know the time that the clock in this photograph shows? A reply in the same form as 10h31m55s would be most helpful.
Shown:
9h50m43s
